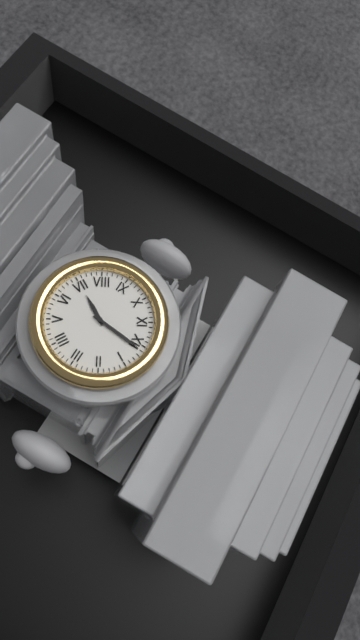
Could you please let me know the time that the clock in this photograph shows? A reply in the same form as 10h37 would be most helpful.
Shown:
7h01
